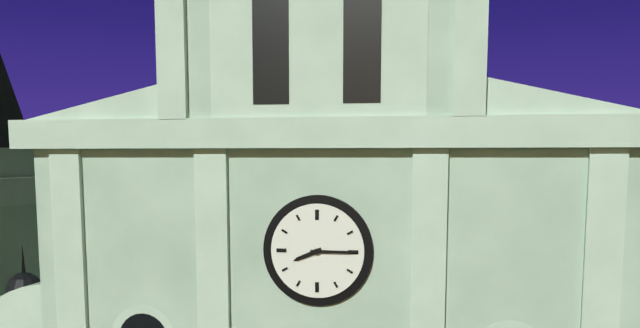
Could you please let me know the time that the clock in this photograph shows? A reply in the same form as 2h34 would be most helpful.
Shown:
8h15
